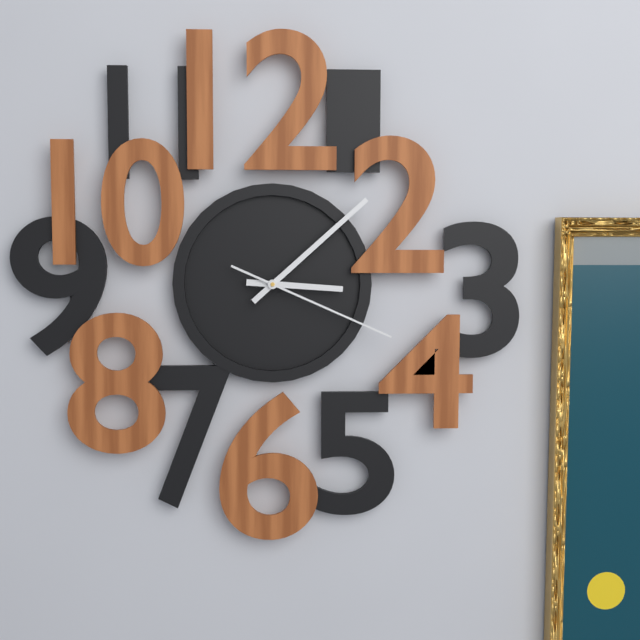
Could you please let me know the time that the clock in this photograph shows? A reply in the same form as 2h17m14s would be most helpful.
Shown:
3h08m19s
